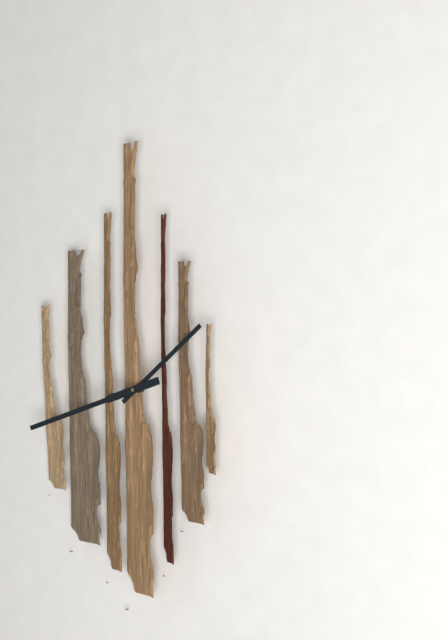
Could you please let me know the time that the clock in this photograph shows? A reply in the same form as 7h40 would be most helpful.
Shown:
1h42
